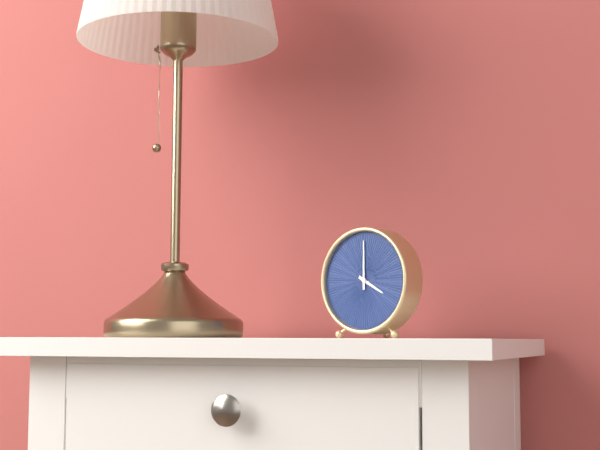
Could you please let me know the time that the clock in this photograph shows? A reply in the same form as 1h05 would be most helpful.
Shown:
4h00
